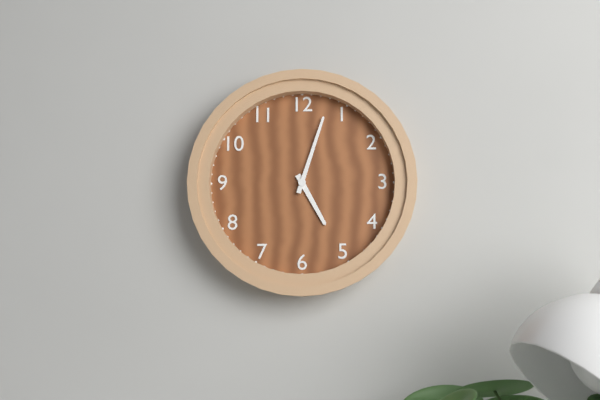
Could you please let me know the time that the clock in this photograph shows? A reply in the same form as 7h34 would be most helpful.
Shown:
5h03
